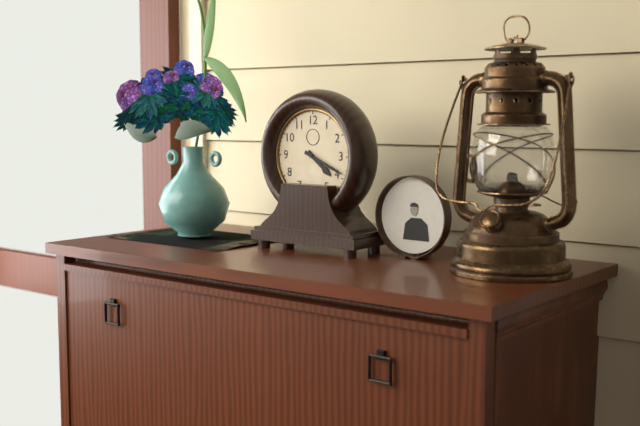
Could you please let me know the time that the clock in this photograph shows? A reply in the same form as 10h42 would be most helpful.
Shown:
4h19
